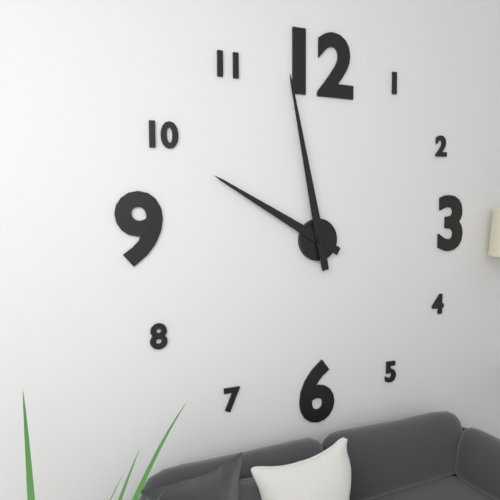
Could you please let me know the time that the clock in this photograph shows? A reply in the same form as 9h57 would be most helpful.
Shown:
9h58
